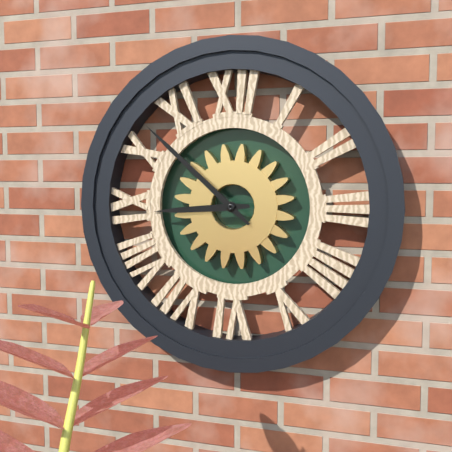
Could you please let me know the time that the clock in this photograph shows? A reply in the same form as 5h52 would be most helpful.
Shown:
8h52
